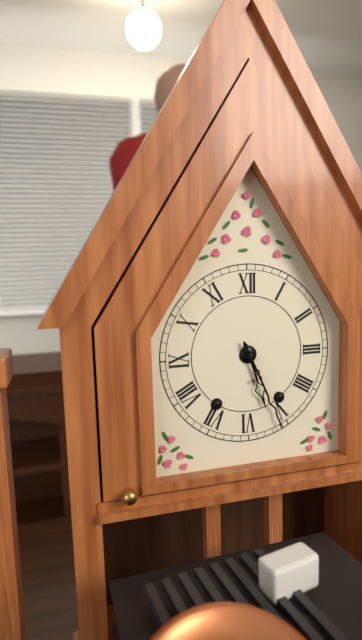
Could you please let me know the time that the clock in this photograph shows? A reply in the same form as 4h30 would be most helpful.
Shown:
5h26
